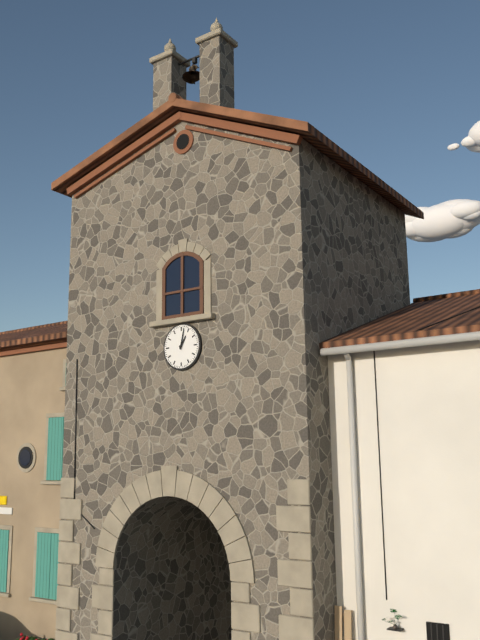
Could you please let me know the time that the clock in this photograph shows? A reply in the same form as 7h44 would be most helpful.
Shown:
1h02
